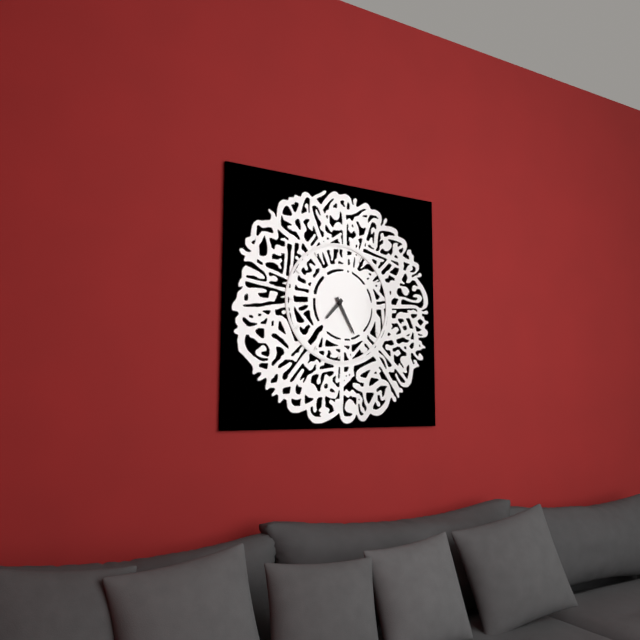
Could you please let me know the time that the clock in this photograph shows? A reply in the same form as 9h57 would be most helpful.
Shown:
7h25
